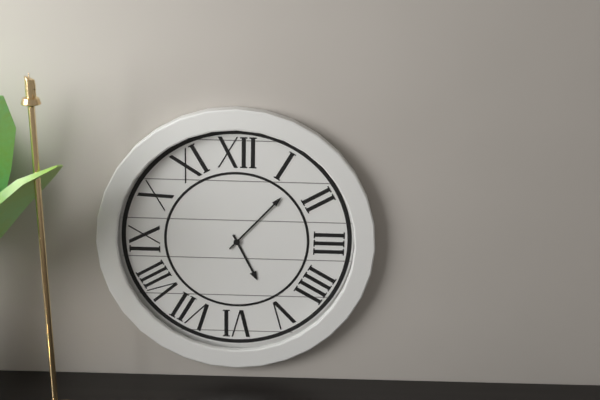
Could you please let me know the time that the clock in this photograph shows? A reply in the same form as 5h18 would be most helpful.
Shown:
5h07
